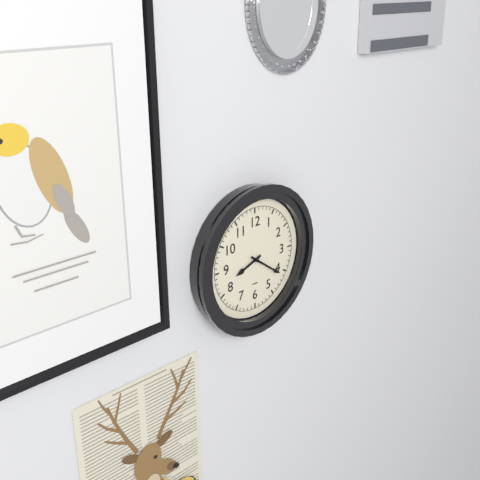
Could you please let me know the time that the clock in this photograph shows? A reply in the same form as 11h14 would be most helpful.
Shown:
8h21
